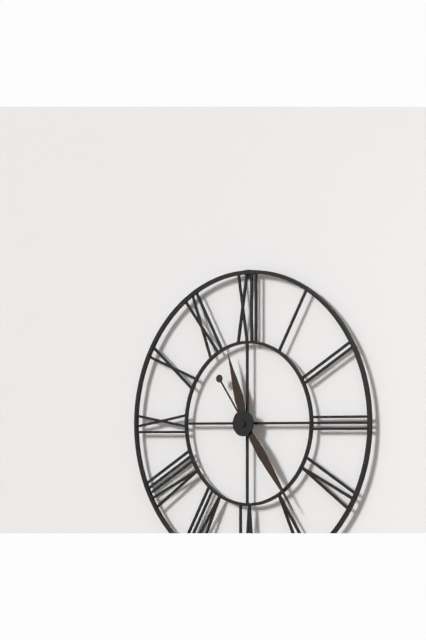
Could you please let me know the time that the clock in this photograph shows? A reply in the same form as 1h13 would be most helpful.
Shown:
11h24
